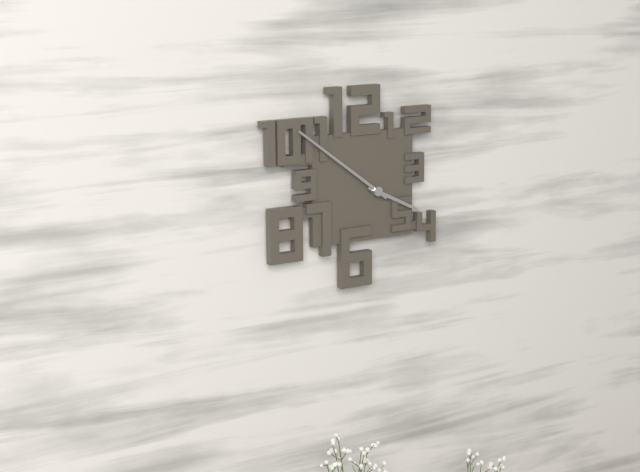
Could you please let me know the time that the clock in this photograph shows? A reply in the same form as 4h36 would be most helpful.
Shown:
3h51
